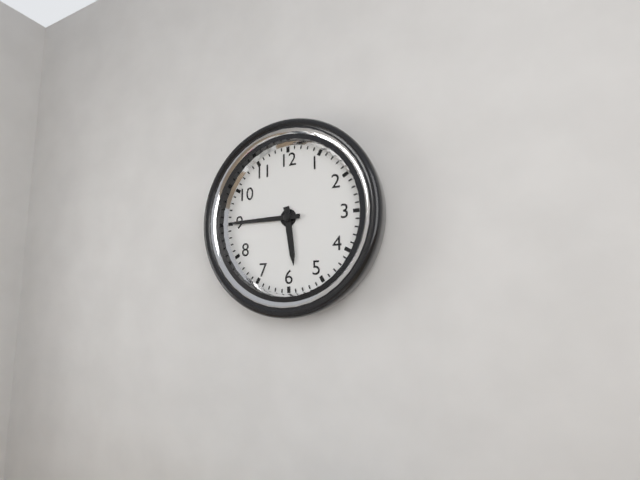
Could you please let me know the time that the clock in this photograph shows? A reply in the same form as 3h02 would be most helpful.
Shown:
5h45
